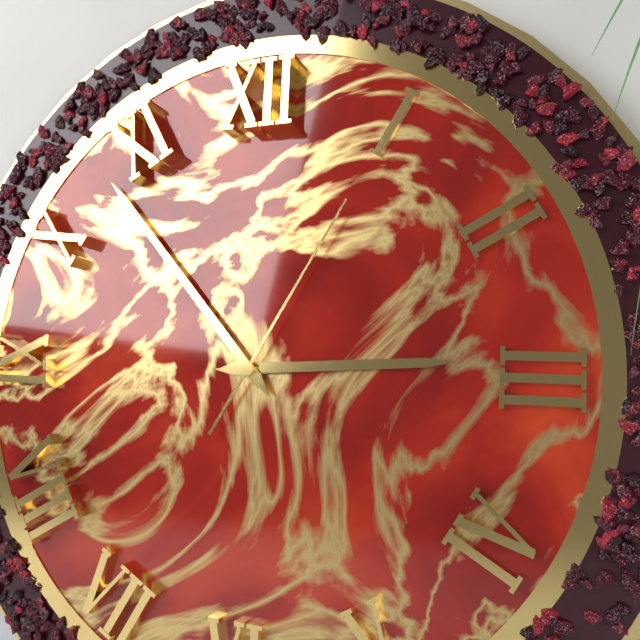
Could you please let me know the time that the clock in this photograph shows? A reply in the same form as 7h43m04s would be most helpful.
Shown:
2h53m05s
